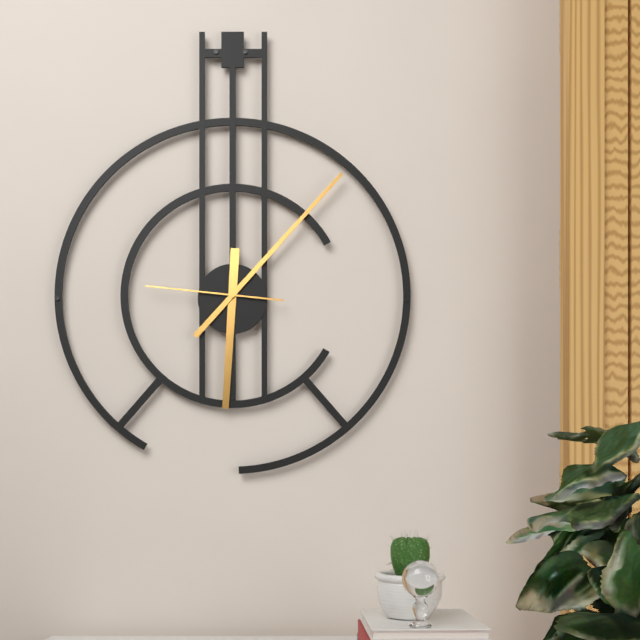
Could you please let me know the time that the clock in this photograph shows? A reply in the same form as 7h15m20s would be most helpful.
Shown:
6h07m46s
